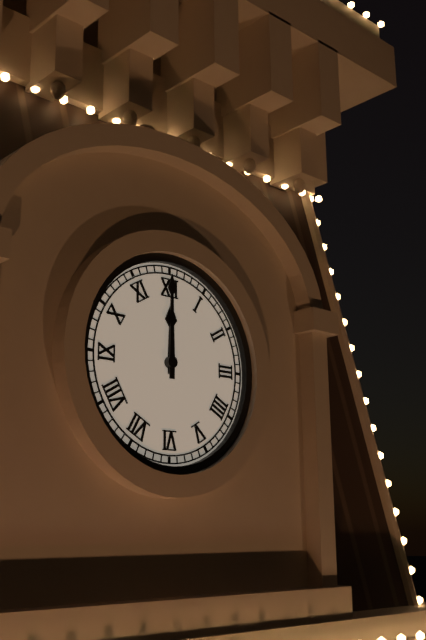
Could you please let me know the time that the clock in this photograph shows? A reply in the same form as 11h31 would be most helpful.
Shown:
12h00
